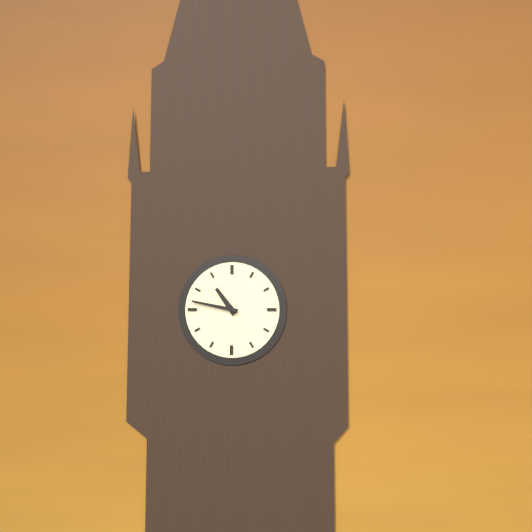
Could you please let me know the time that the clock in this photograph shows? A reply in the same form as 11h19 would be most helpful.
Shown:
10h47
